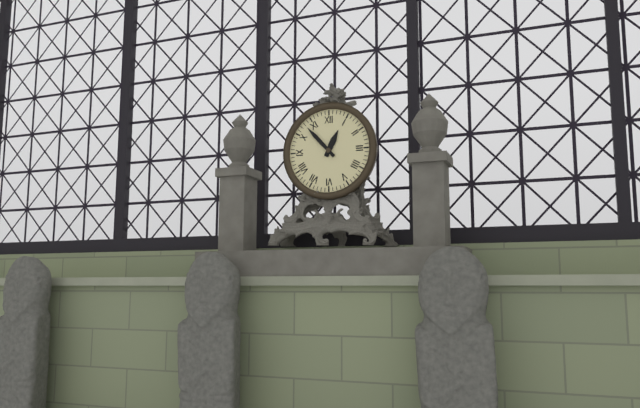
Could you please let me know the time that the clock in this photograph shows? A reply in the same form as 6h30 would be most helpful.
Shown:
12h53
